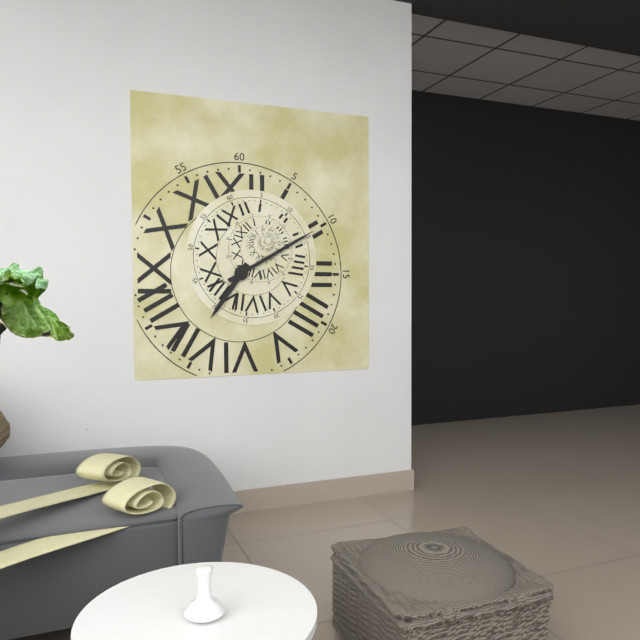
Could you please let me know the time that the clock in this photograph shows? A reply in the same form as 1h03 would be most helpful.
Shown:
7h10
